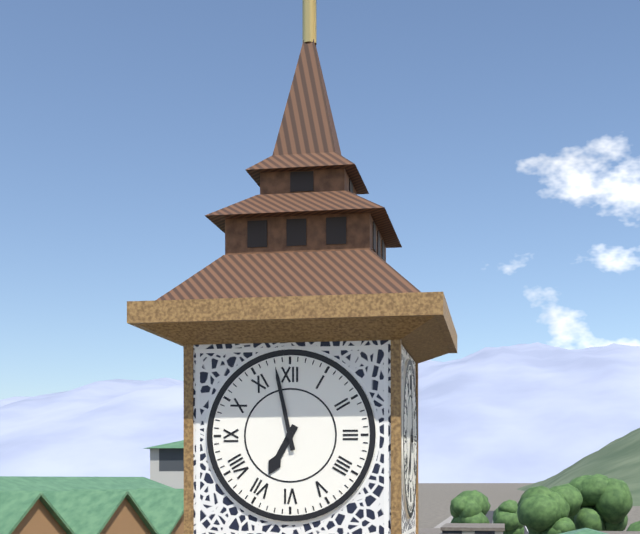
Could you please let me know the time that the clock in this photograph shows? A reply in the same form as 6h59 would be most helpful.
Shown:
6h58
